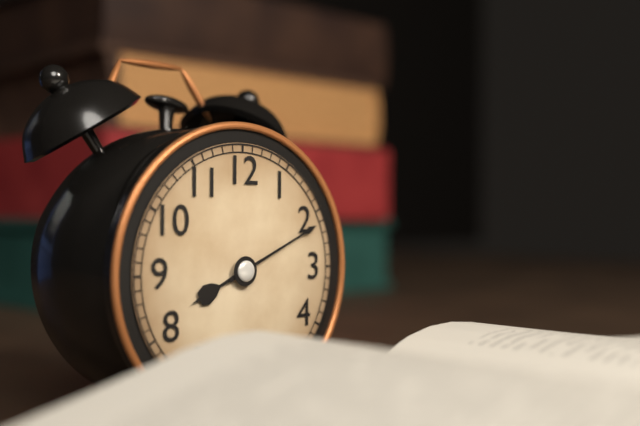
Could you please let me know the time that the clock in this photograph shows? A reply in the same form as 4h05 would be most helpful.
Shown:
8h11
